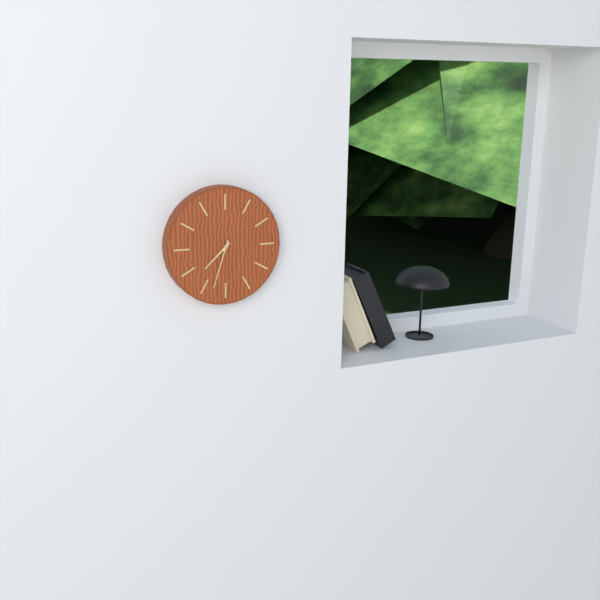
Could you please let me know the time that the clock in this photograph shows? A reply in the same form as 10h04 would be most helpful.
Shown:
7h33
